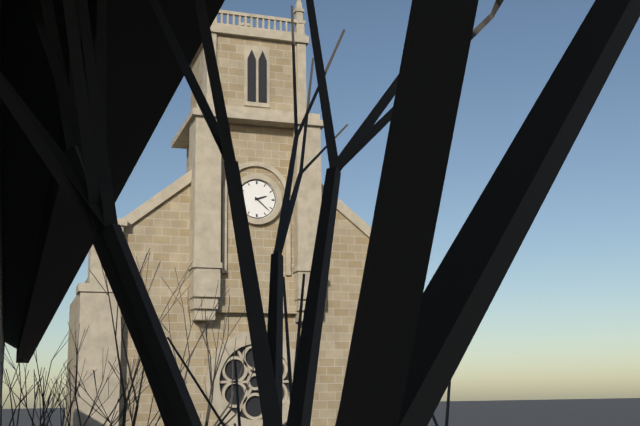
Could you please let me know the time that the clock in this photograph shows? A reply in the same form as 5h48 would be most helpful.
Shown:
2h22
